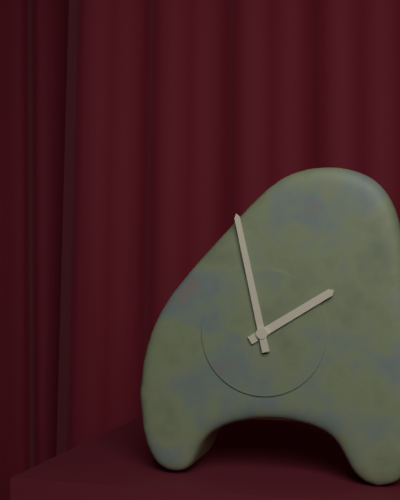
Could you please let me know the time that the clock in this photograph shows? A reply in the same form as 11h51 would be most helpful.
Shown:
1h58
